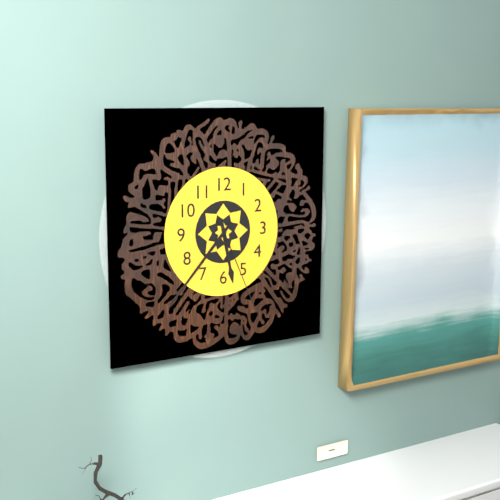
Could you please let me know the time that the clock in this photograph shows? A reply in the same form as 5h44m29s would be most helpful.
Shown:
5h37m26s
